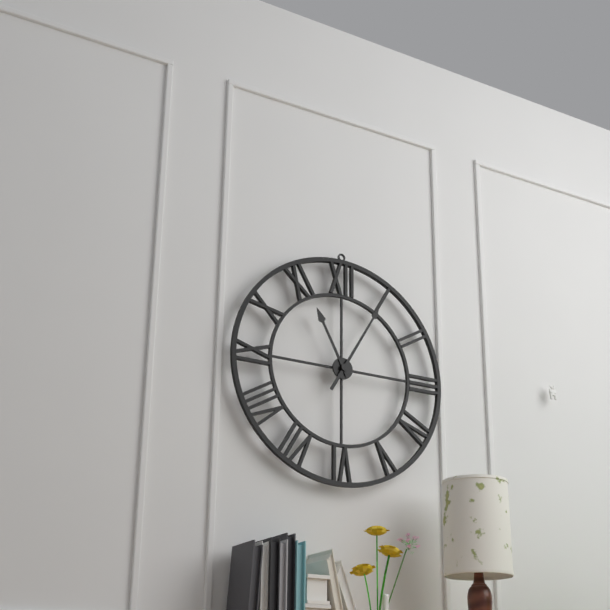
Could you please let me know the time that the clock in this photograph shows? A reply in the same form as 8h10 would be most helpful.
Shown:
11h05
